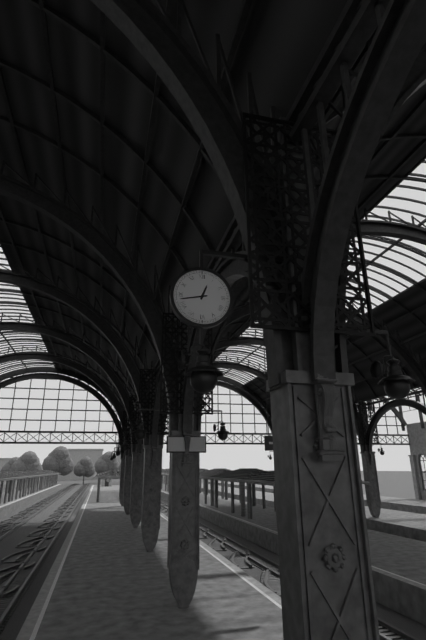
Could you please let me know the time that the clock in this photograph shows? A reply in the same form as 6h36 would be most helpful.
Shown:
12h43
